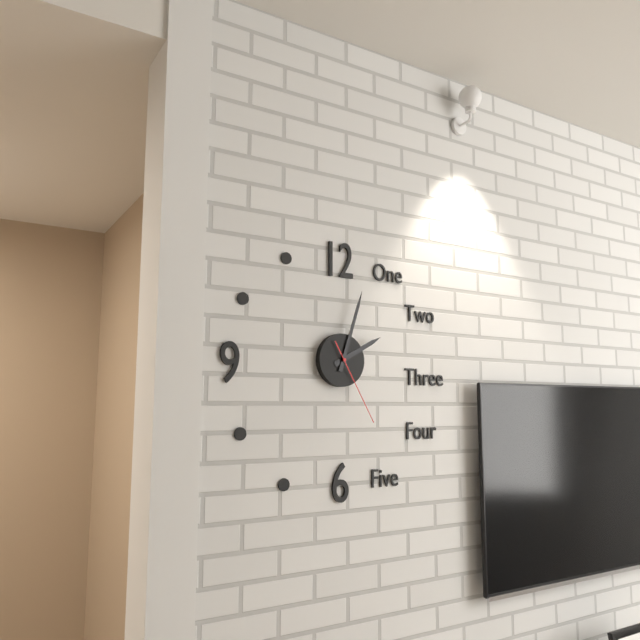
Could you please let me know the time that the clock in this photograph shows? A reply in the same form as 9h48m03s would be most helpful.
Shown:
2h03m25s
